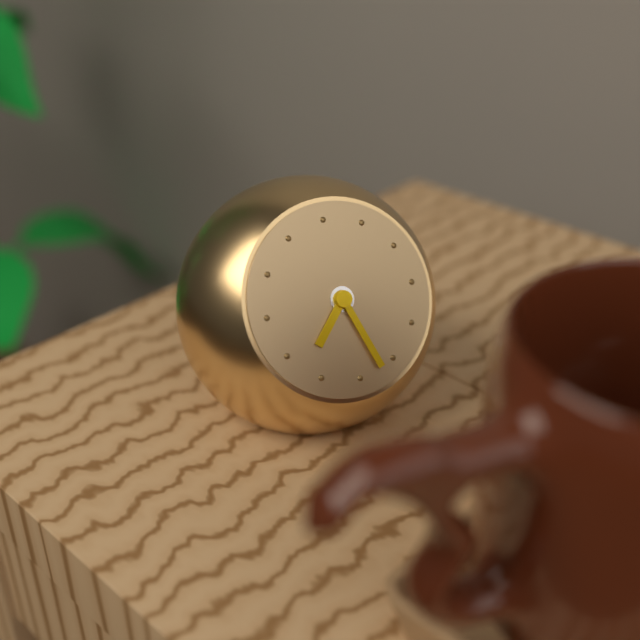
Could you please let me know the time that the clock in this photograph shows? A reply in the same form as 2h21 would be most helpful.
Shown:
7h27
